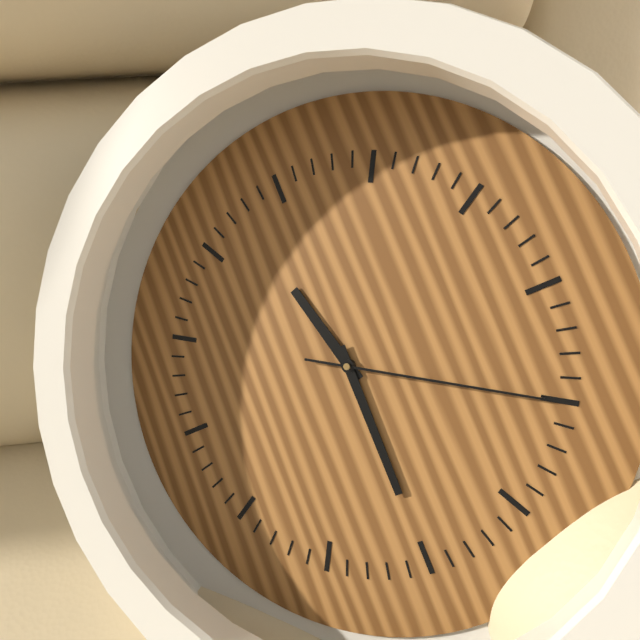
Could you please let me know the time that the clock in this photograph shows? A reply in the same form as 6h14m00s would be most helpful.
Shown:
11h30m20s
